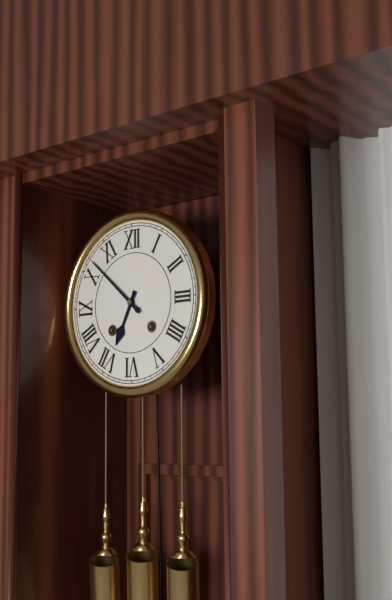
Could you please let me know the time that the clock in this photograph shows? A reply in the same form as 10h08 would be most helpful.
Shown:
6h52
